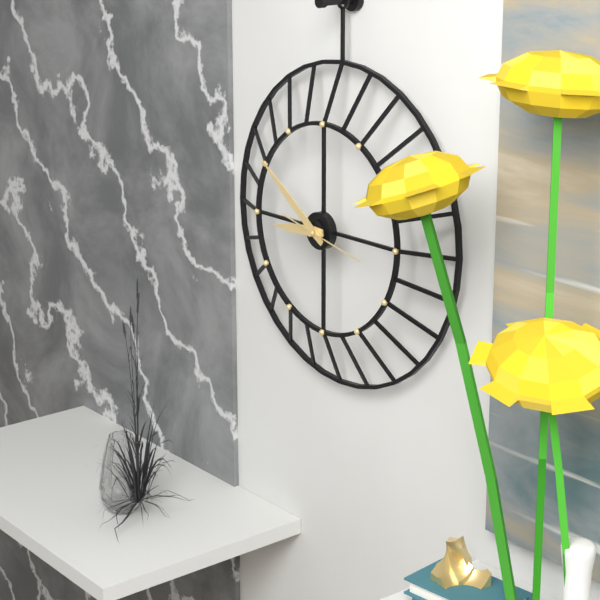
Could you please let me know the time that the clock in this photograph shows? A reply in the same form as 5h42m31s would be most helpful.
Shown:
8h51m17s
